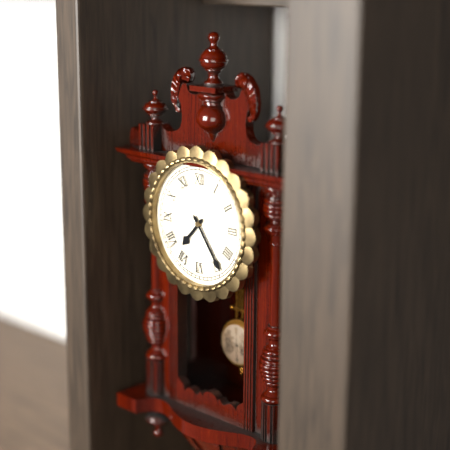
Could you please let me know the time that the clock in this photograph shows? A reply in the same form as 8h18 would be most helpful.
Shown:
7h24
